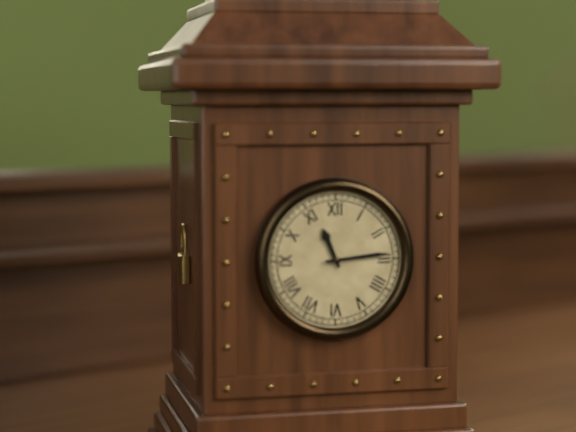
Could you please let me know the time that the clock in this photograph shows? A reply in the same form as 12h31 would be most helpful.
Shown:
11h14
